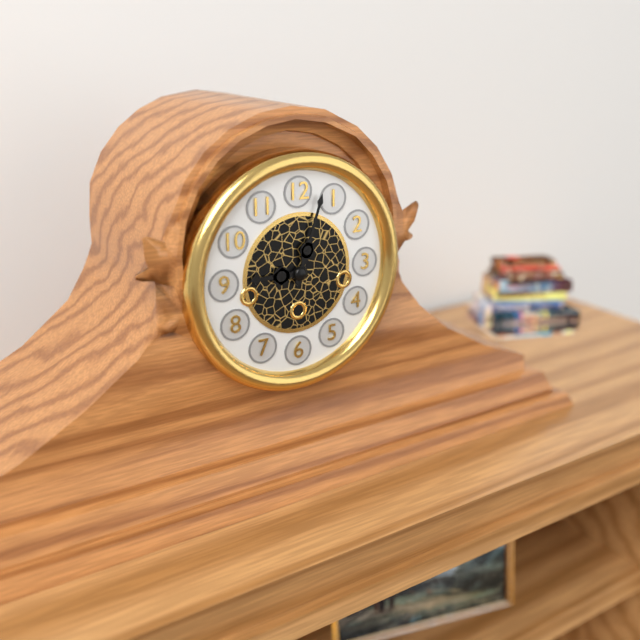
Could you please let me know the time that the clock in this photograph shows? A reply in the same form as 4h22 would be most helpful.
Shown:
9h03
